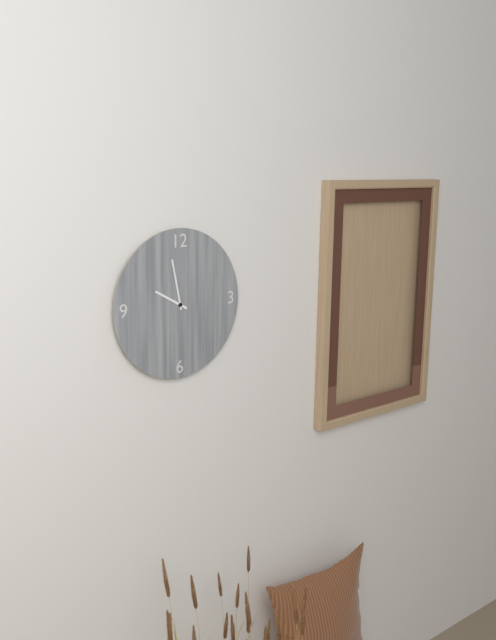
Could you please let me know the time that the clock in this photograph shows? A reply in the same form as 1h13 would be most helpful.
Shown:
9h58
